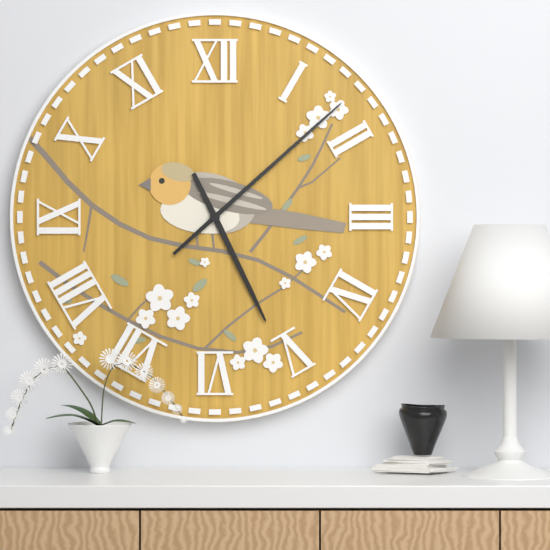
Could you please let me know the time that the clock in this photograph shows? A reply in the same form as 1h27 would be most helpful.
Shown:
5h08
